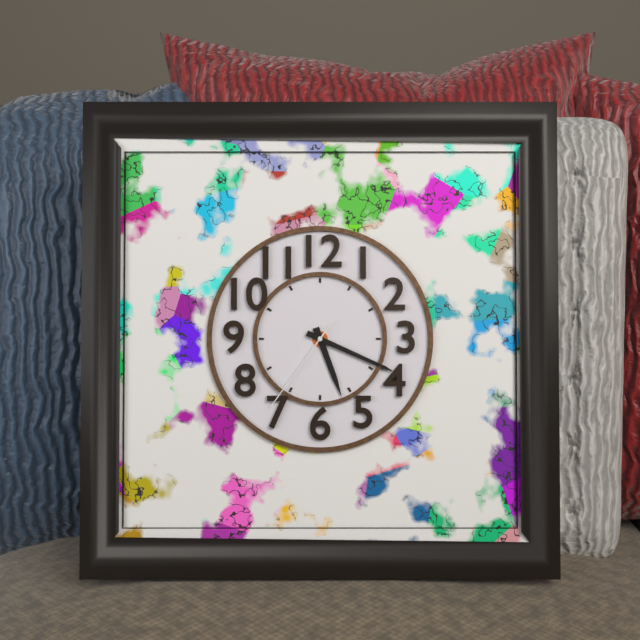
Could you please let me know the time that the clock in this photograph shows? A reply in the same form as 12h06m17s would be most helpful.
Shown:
5h19m36s
